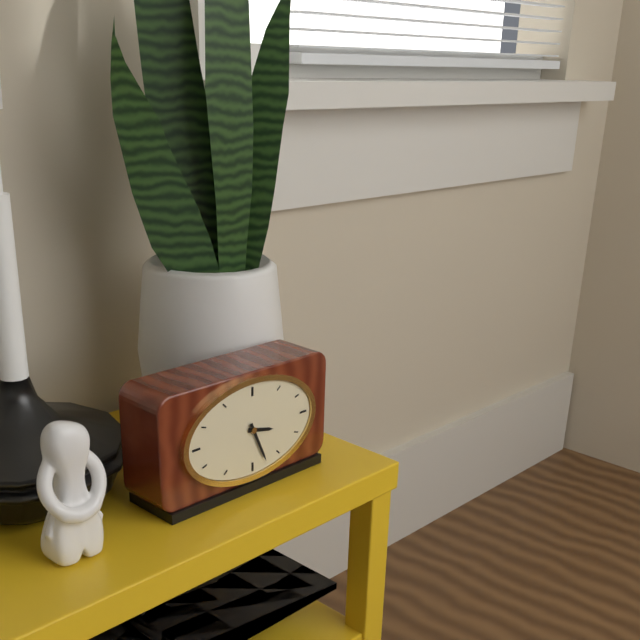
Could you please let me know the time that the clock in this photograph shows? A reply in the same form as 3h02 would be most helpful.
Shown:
3h26
